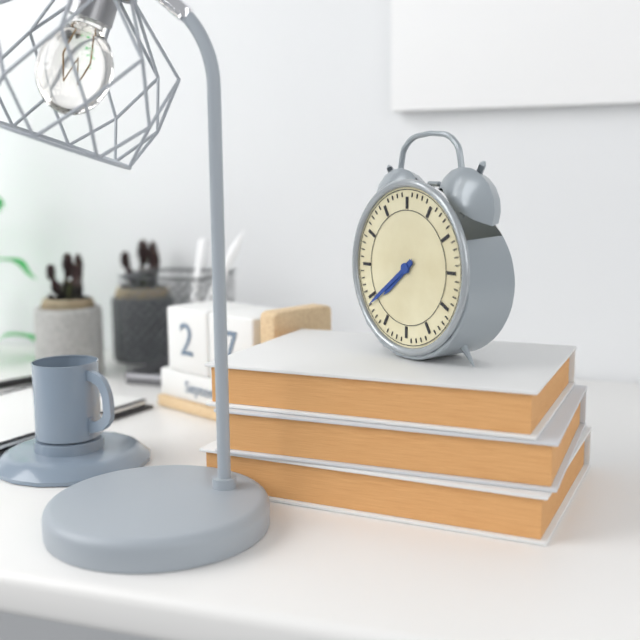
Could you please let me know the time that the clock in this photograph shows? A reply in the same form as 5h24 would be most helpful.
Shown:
7h39
